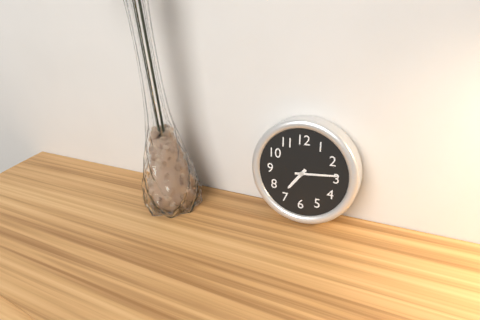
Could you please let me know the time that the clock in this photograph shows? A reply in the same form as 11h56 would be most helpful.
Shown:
7h14
